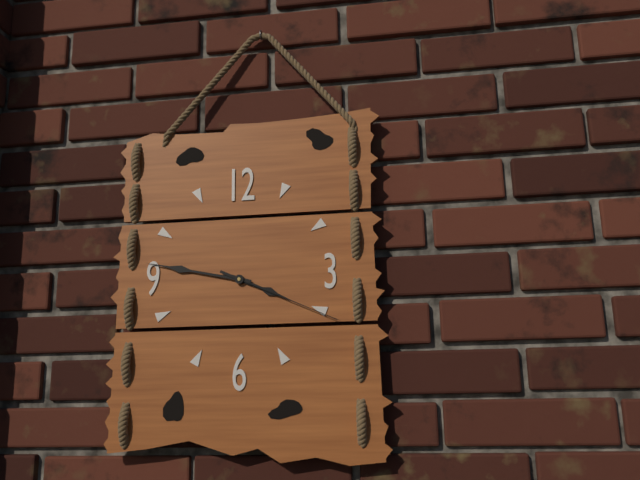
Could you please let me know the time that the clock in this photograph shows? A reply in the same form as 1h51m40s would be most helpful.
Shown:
3h47m19s
